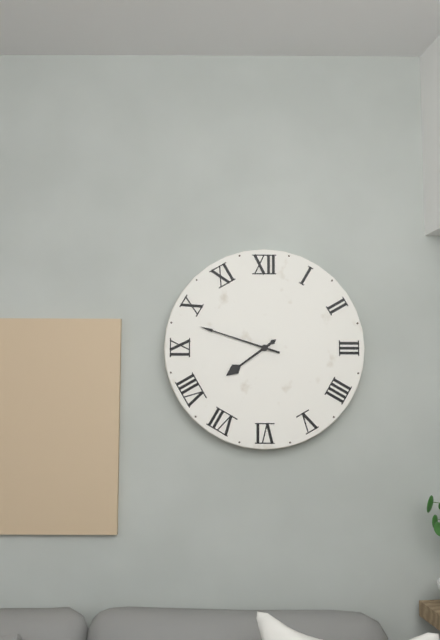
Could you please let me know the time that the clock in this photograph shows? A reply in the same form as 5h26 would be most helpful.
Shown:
7h48
